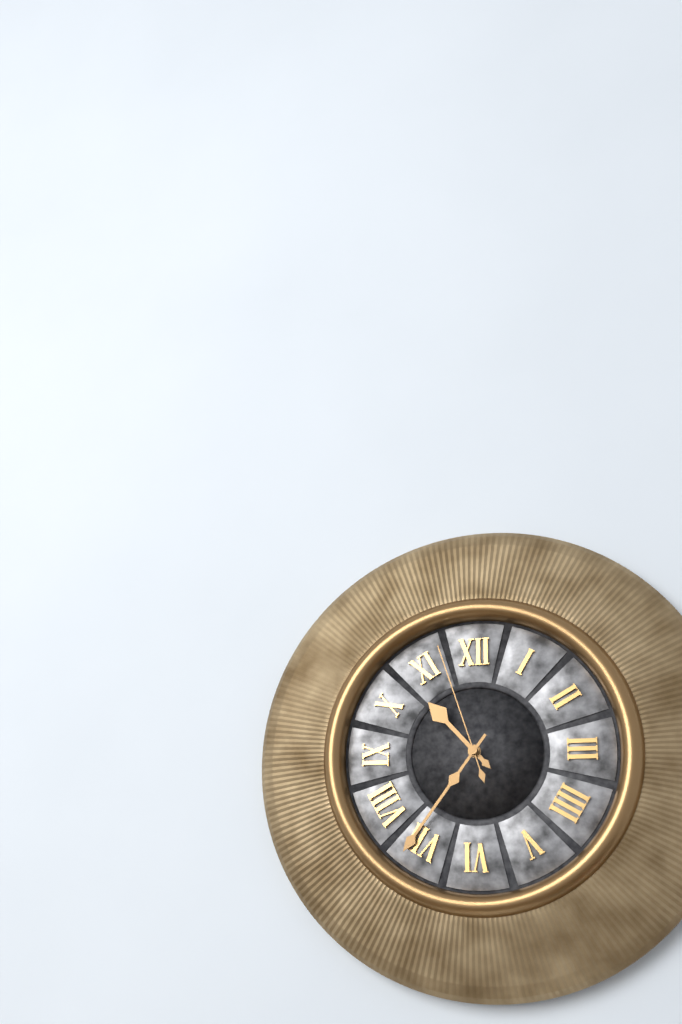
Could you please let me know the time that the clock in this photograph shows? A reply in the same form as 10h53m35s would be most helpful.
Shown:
10h36m57s
